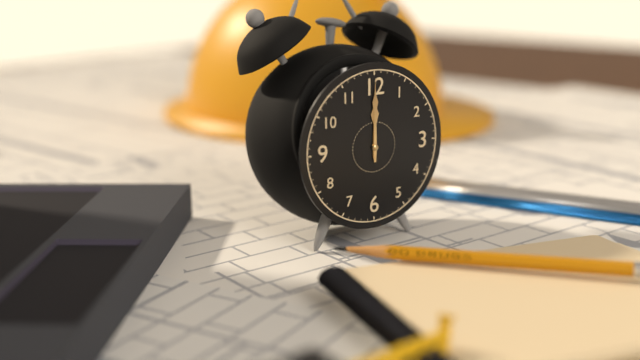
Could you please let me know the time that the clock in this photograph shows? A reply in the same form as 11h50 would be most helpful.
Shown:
12h00
